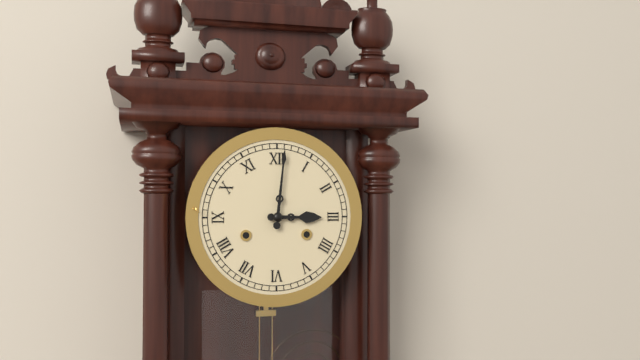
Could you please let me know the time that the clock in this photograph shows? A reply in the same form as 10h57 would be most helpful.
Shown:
3h01
